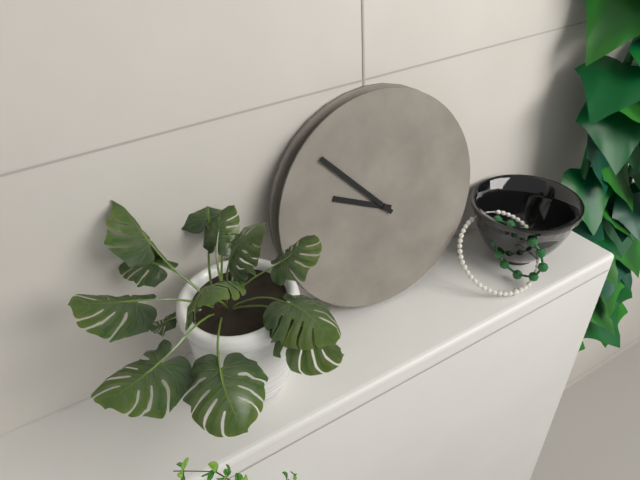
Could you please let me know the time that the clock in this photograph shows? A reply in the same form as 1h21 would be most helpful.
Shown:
9h53
